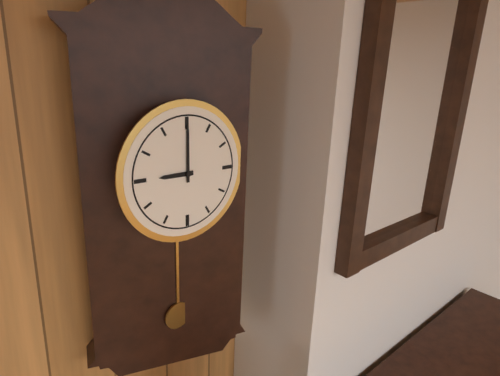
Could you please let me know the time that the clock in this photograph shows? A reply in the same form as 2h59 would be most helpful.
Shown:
9h00
